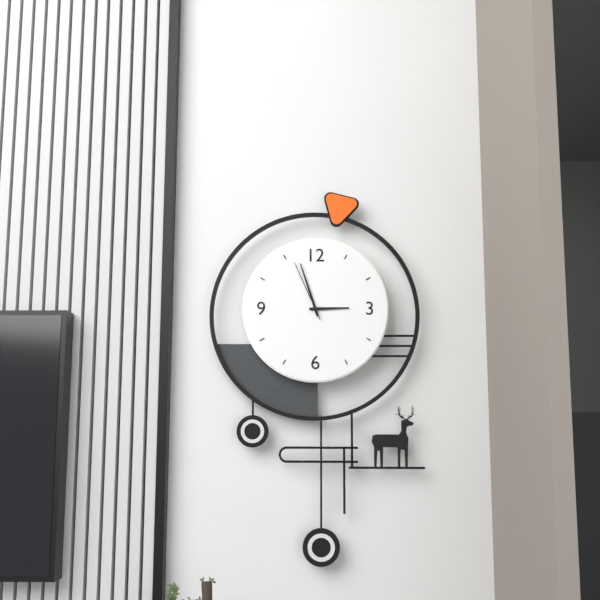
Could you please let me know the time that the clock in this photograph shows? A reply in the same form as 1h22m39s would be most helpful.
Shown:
2h57m56s
